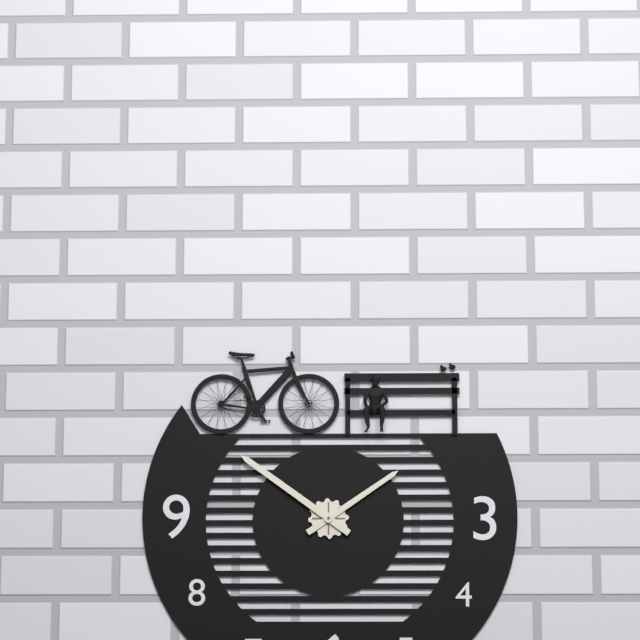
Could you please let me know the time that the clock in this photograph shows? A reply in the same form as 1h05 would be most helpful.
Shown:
1h51
